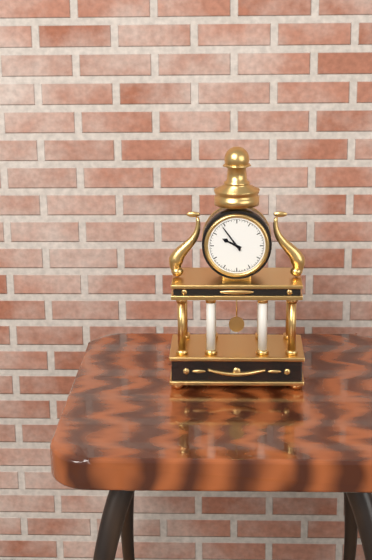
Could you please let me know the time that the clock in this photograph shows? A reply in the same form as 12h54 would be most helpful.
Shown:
9h54
